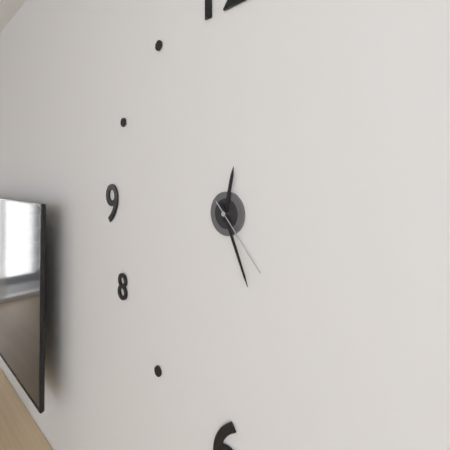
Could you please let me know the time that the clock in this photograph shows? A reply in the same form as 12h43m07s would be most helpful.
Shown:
12h26m23s
